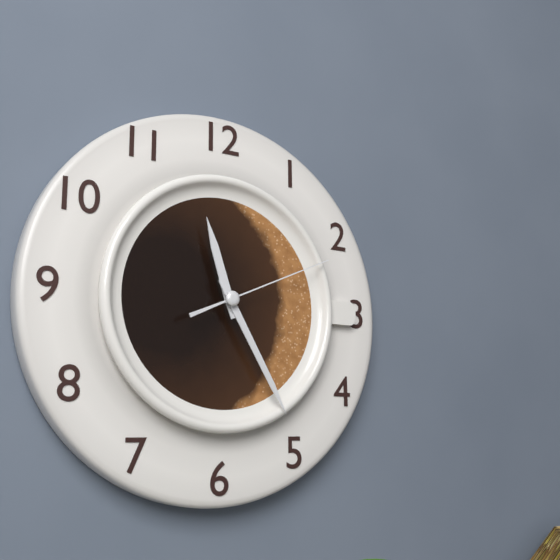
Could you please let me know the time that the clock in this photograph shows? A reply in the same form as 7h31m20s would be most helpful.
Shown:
11h25m11s
